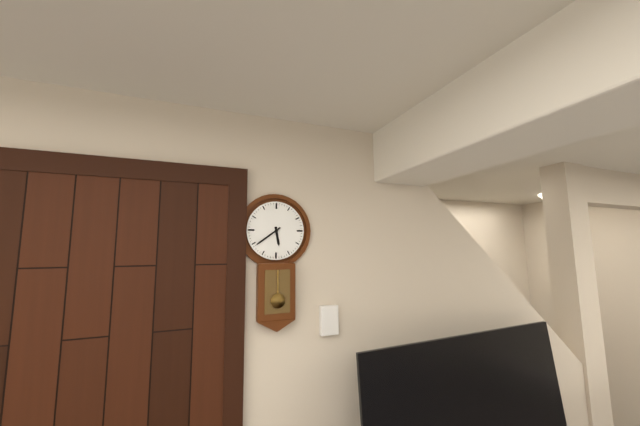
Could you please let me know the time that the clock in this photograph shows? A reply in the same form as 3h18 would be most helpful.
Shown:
5h39
